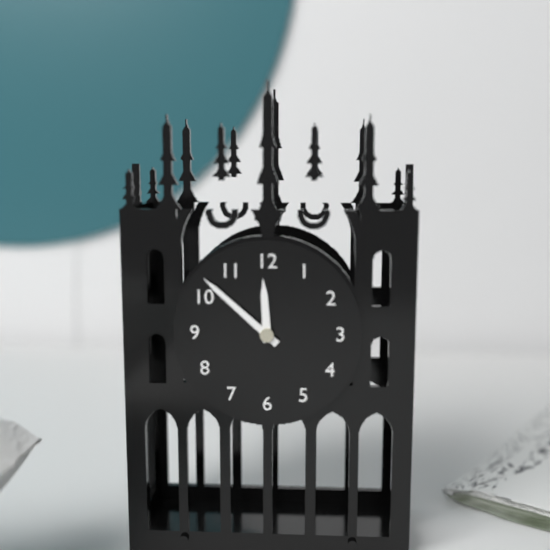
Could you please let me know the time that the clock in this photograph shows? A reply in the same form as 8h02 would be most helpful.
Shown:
11h52
